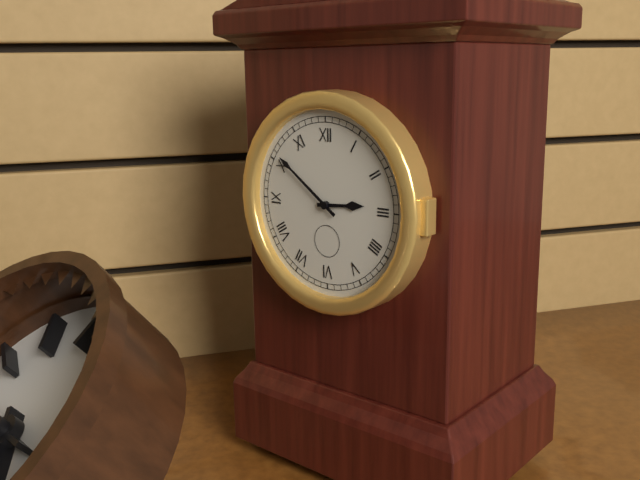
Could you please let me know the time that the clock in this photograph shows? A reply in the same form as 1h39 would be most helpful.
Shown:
2h51
